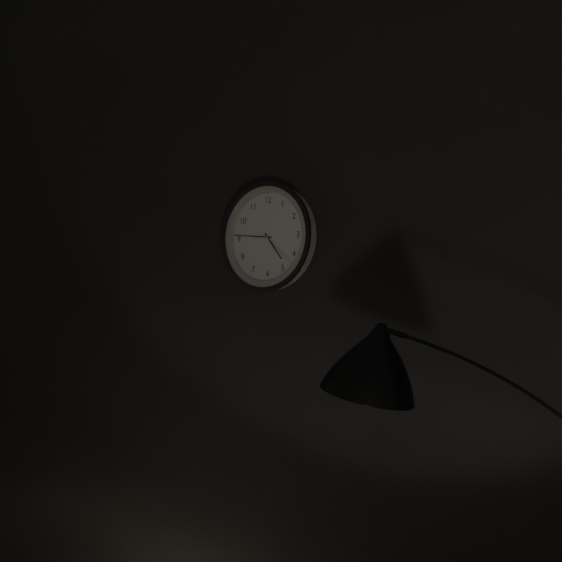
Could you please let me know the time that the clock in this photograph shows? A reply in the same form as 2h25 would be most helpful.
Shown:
4h46
